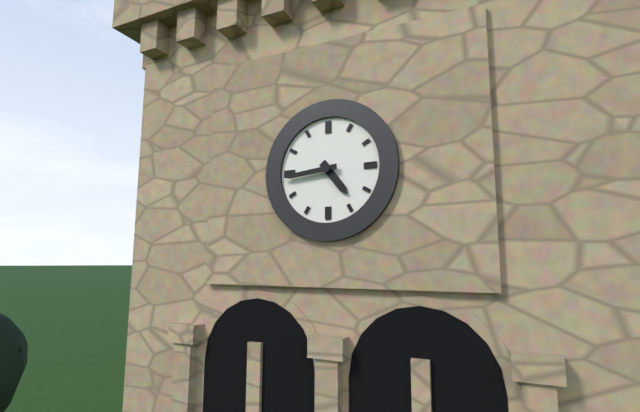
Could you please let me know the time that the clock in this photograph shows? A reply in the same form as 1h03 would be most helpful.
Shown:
4h44
